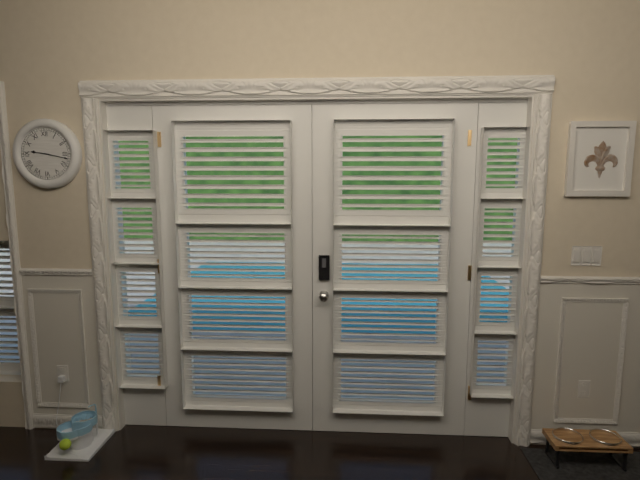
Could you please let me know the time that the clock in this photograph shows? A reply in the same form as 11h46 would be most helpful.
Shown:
9h17
